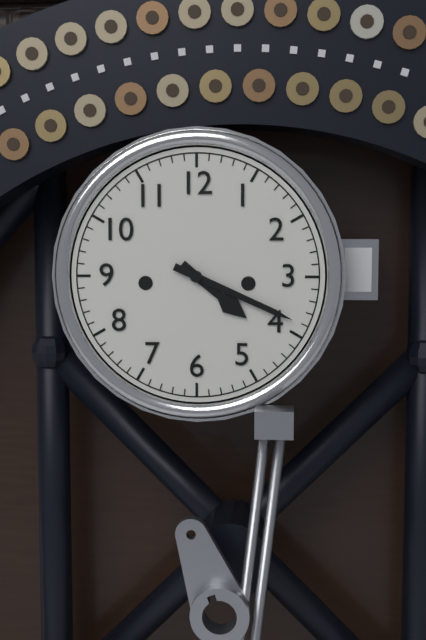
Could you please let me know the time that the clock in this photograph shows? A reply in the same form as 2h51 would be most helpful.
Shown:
4h19
